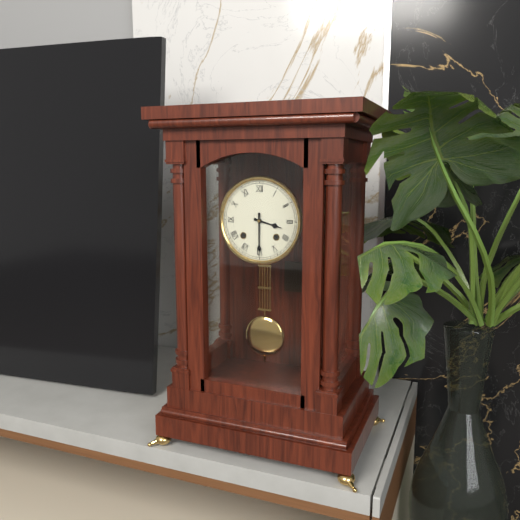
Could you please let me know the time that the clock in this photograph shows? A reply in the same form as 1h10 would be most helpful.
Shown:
3h30
